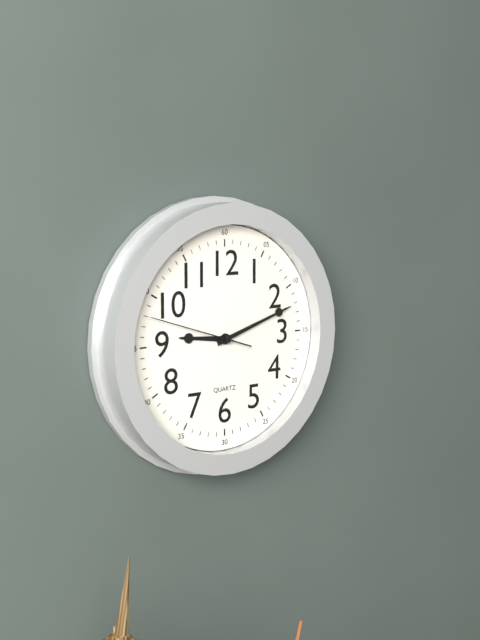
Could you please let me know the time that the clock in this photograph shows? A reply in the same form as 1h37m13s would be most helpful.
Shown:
9h12m48s
